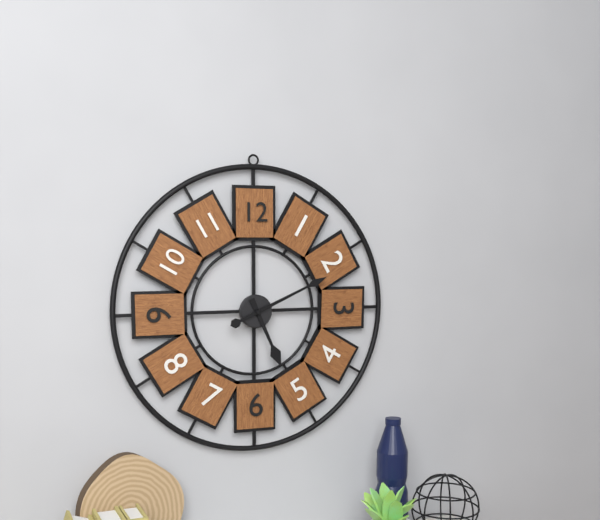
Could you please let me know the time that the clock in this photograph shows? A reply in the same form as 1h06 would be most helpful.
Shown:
5h11
